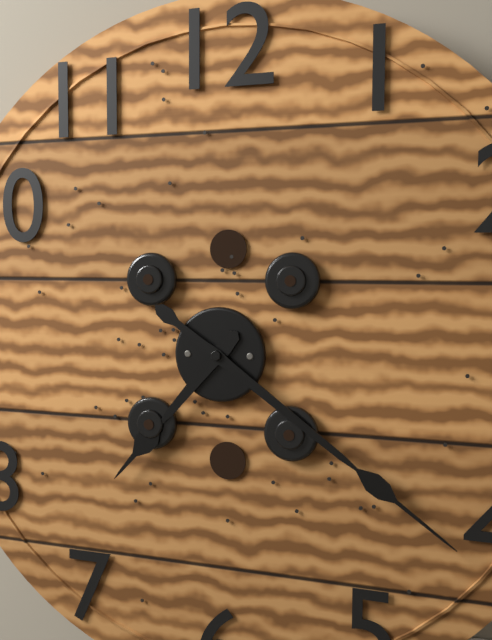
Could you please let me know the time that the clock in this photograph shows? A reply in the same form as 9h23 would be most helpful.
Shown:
7h21
